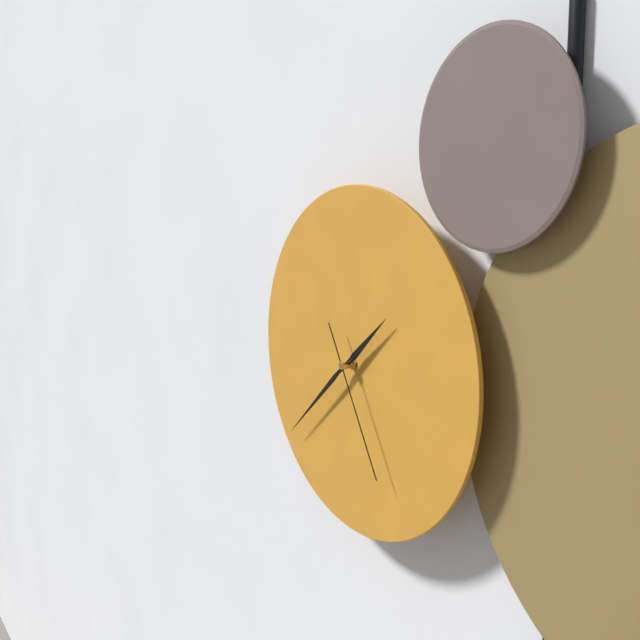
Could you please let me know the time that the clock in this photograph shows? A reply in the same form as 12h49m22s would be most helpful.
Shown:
1h38m25s
